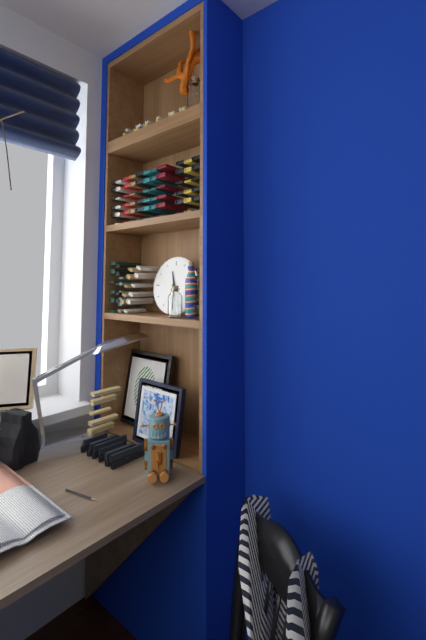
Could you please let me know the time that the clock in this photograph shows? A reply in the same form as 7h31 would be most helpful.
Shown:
11h30
